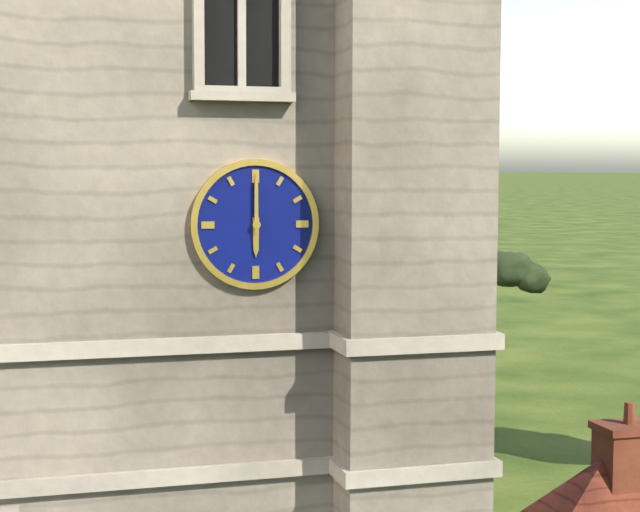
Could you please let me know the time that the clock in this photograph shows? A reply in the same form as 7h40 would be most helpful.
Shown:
6h00
